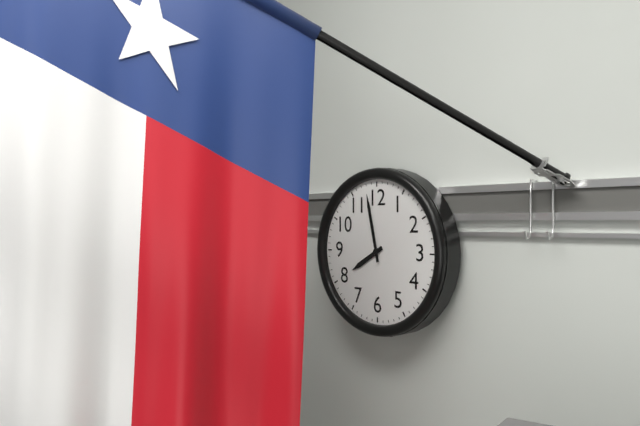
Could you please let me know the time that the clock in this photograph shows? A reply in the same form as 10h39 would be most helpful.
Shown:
7h58
